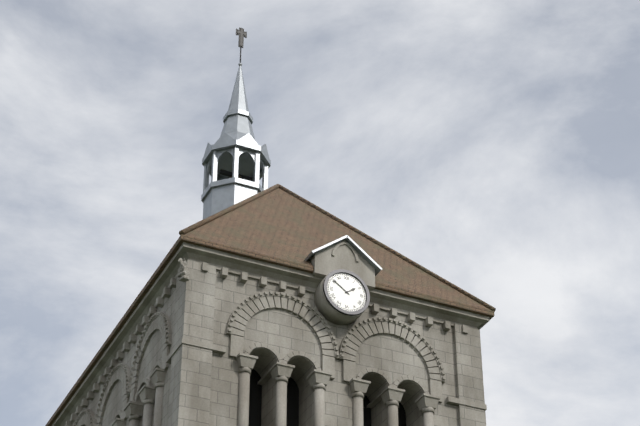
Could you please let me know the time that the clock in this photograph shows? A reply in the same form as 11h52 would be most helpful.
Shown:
1h51
